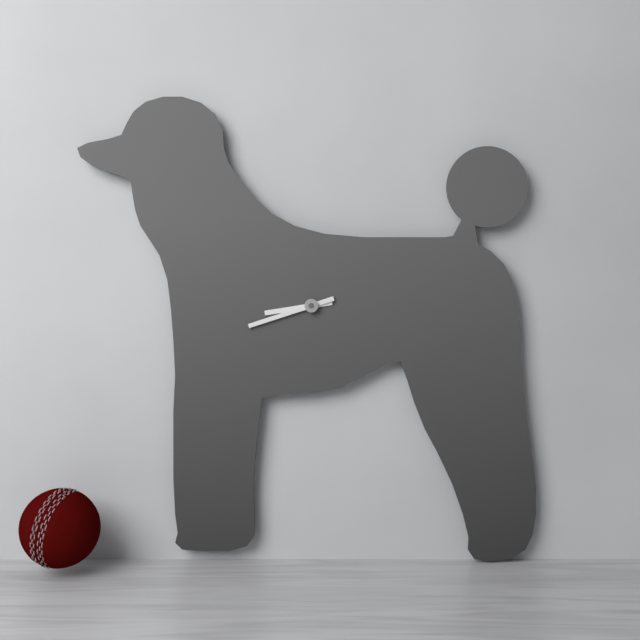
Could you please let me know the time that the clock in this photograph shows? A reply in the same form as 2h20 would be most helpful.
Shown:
8h42
